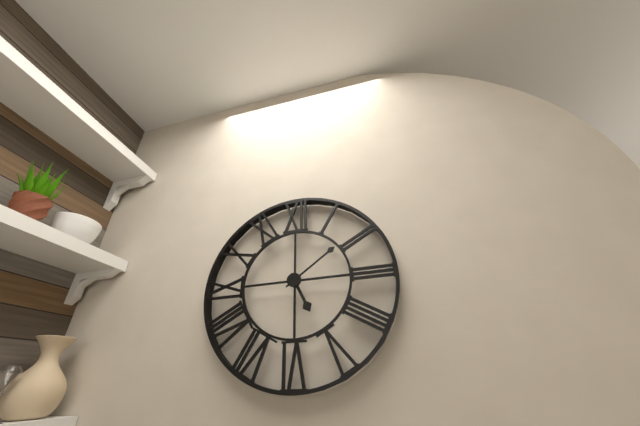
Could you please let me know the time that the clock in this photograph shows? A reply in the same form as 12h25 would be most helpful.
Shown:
5h09
